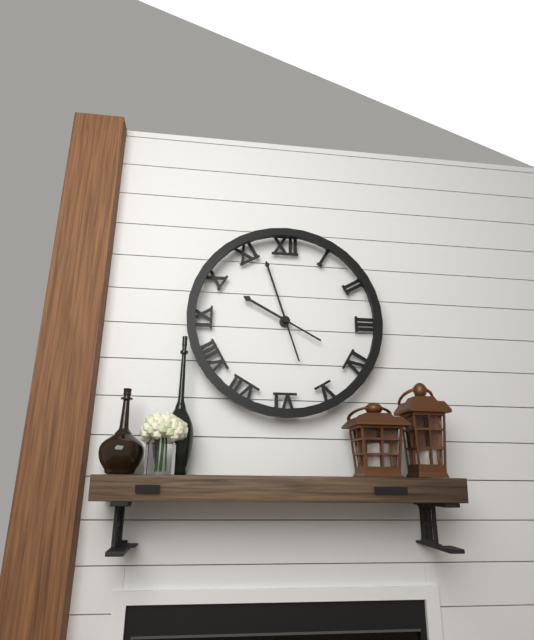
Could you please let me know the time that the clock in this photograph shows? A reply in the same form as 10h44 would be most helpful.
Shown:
9h57
